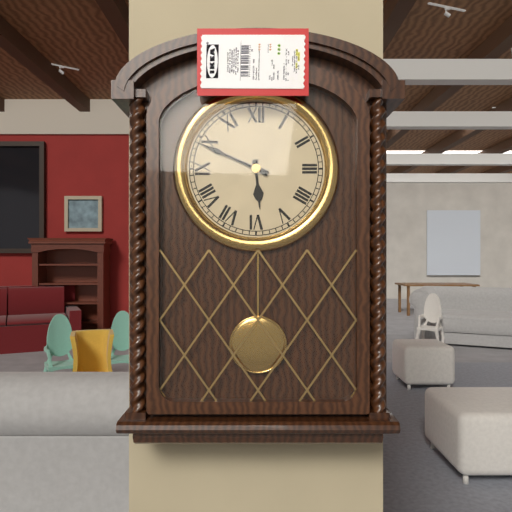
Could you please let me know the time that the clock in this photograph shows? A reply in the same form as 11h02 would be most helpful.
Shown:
5h49
